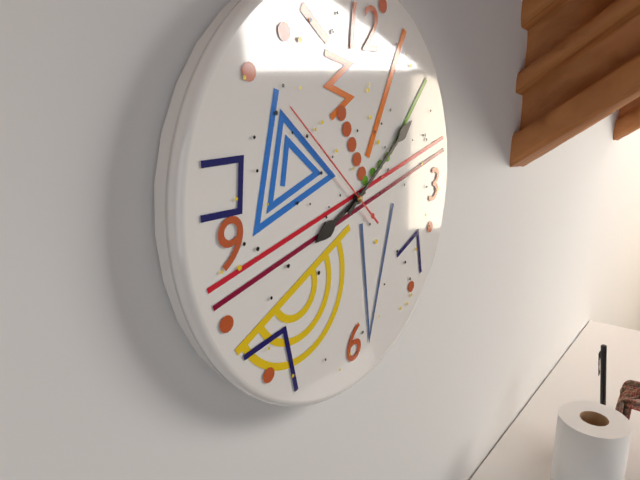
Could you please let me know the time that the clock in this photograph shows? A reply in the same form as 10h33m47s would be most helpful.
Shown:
8h09m52s
